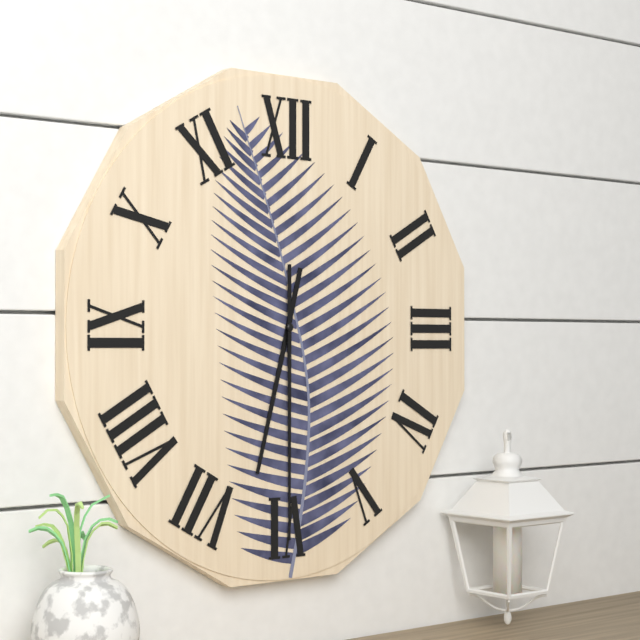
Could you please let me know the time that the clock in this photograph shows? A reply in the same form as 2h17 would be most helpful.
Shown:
6h30
